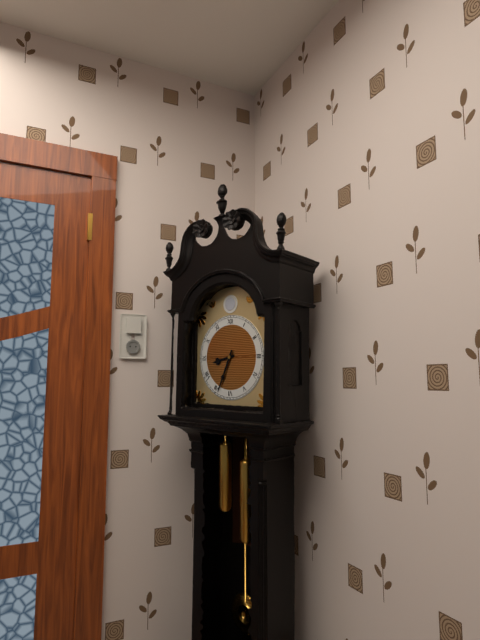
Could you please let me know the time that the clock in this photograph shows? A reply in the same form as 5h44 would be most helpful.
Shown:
8h34
